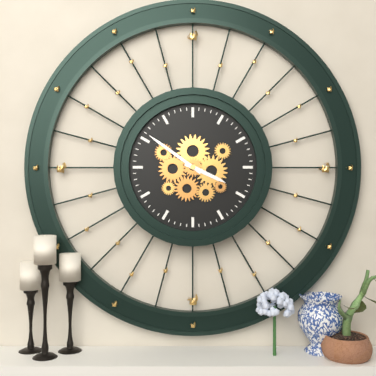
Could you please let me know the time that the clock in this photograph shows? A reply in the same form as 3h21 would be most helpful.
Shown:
3h51
